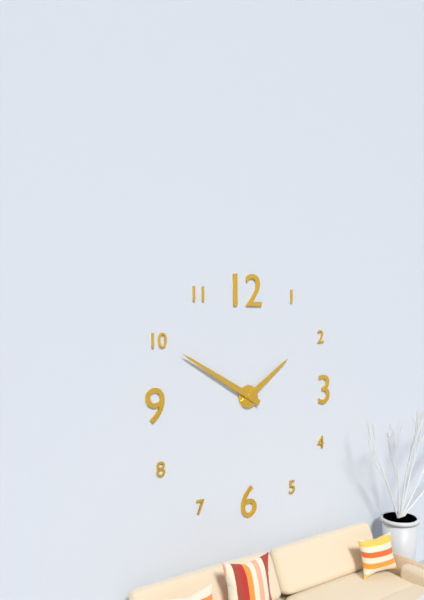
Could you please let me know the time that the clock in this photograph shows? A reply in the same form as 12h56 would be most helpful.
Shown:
1h50
